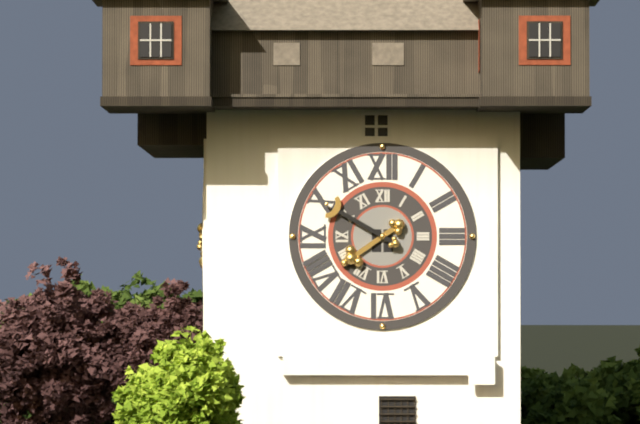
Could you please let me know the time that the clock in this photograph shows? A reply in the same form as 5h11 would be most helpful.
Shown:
7h50
